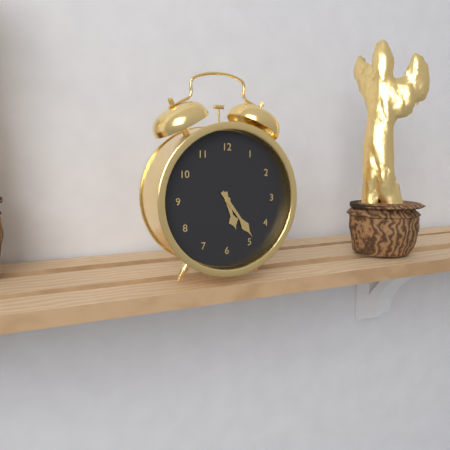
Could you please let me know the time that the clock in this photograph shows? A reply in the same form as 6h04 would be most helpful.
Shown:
5h24
